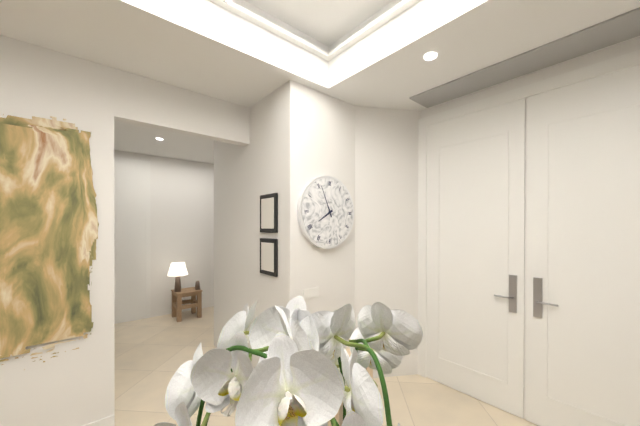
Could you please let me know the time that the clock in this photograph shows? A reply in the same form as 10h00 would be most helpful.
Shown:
7h56
